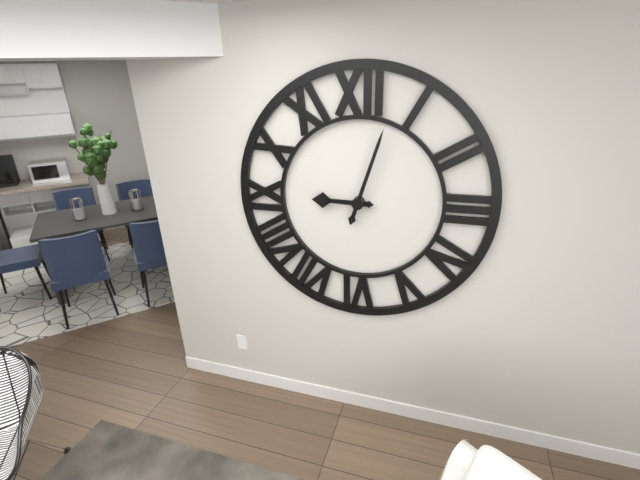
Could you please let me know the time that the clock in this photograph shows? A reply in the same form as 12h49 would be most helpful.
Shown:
9h03
